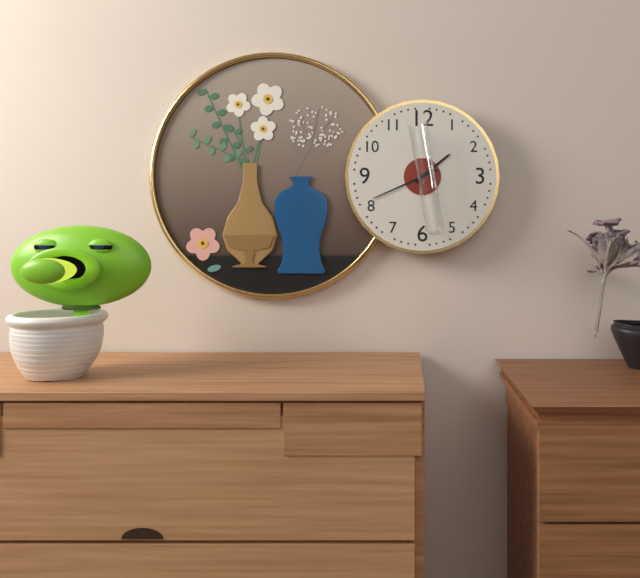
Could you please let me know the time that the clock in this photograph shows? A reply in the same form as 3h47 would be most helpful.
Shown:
1h41
